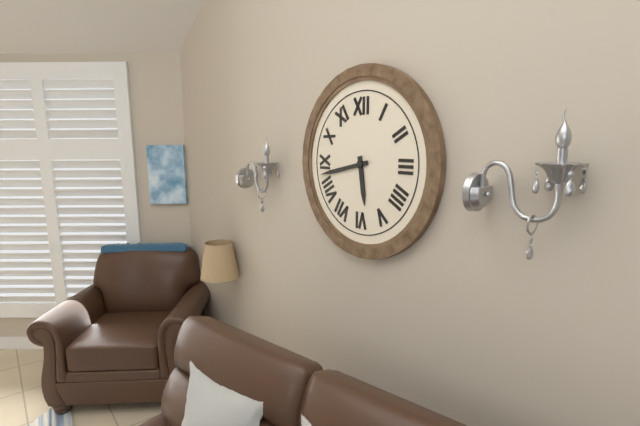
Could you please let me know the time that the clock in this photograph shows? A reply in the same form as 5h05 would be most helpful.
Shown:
5h43
